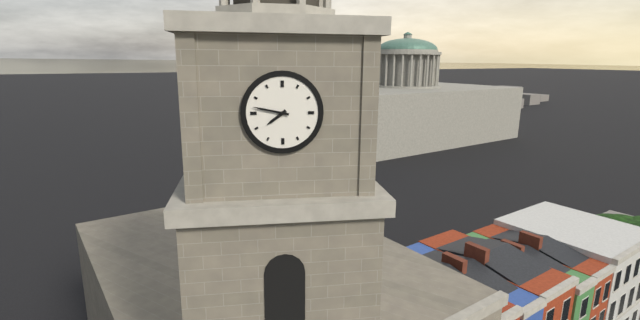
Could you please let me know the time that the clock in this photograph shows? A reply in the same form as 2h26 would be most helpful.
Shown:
7h47
